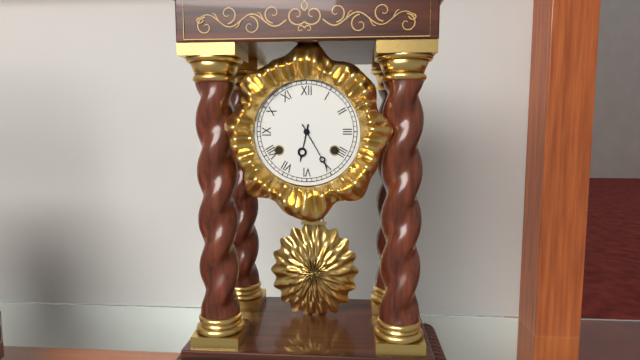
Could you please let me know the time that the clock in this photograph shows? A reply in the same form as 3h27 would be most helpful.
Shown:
6h25
